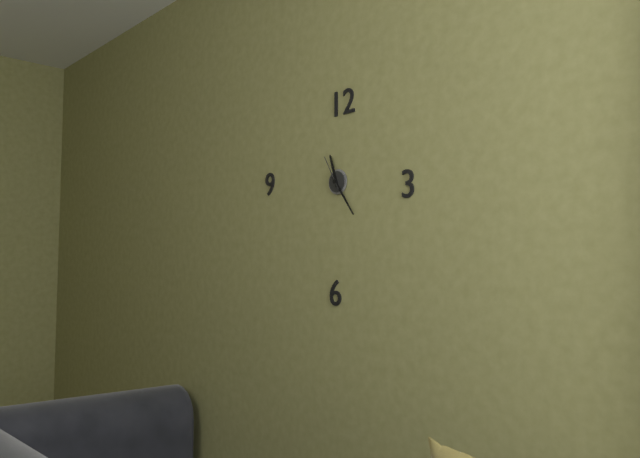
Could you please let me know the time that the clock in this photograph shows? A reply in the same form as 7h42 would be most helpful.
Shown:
11h24
